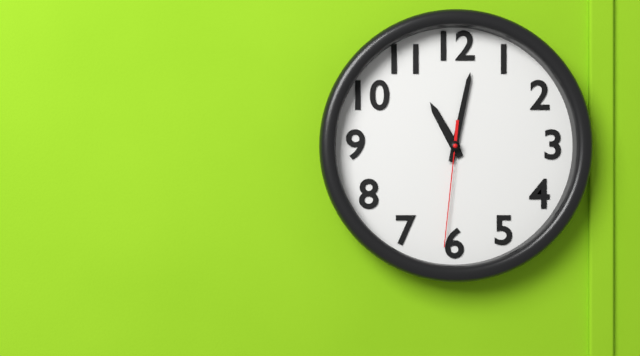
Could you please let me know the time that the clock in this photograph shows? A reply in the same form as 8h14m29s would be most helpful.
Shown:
11h02m31s
